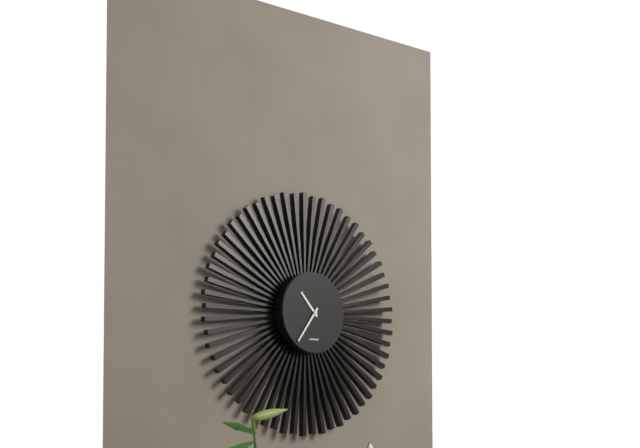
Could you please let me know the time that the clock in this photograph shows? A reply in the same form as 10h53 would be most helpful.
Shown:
10h36
